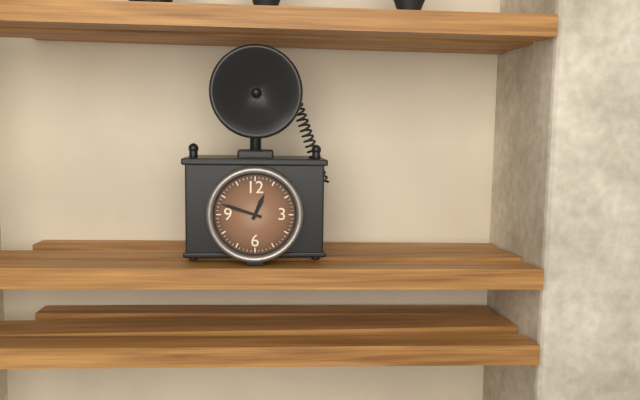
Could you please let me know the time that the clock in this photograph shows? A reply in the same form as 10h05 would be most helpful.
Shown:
12h48
